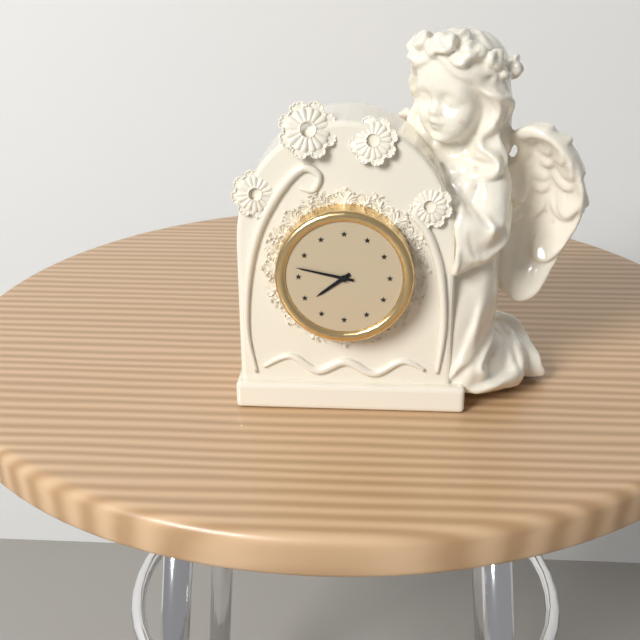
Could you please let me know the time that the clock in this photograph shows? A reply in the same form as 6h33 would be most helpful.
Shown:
7h47
